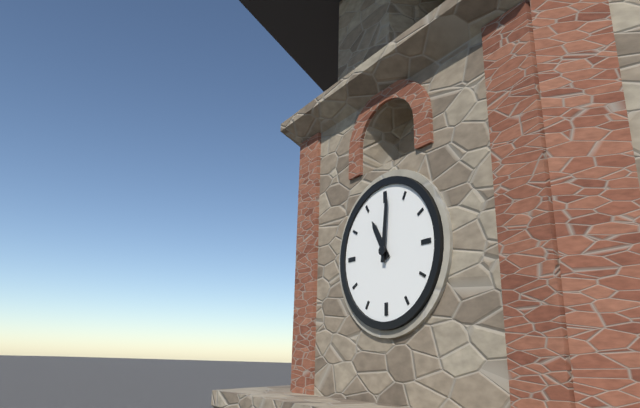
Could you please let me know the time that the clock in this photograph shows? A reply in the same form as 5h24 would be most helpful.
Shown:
11h01
